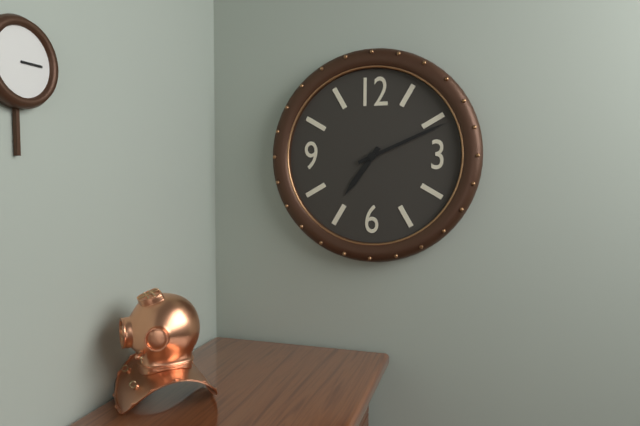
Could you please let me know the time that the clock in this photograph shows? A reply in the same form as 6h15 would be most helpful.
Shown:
7h11
